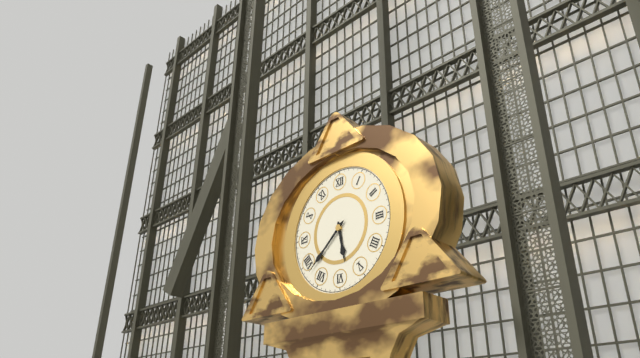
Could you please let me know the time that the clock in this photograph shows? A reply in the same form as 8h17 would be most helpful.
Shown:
5h38
